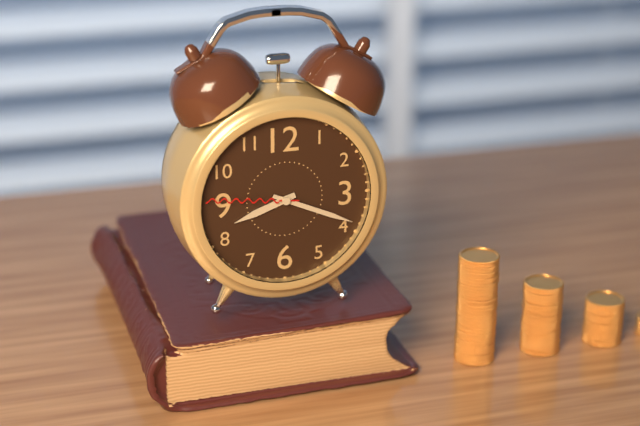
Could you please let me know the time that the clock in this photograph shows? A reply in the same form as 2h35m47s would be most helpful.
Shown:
8h19m46s
